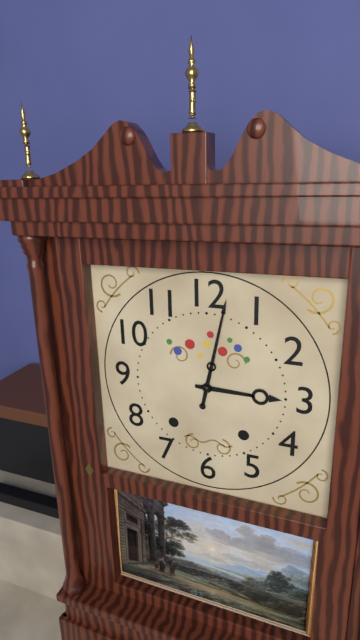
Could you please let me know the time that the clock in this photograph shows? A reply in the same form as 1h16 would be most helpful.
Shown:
3h02
